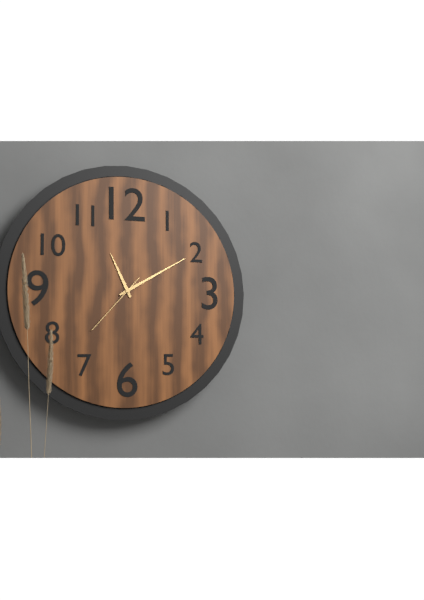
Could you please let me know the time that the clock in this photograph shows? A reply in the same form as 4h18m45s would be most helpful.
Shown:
11h10m37s
